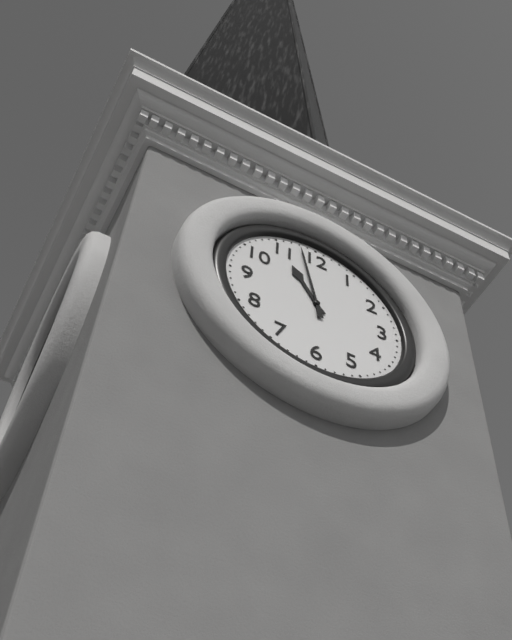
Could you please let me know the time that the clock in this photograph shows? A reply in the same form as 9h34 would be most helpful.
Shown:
10h58
